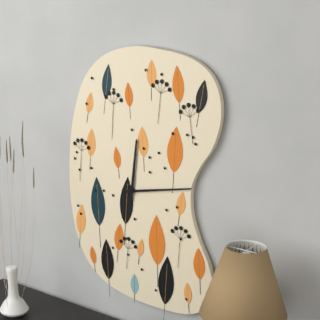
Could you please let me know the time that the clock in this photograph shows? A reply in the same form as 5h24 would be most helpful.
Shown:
12h13
